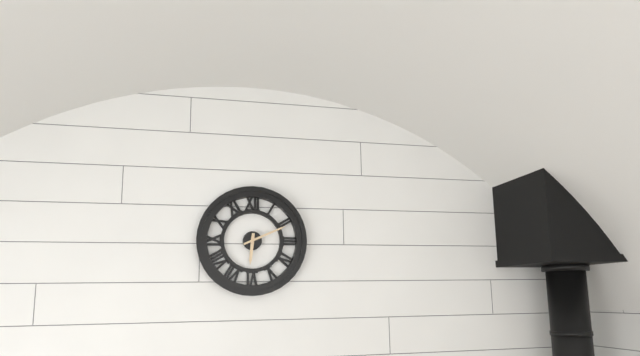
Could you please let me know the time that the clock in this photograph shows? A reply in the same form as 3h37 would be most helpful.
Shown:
6h11
